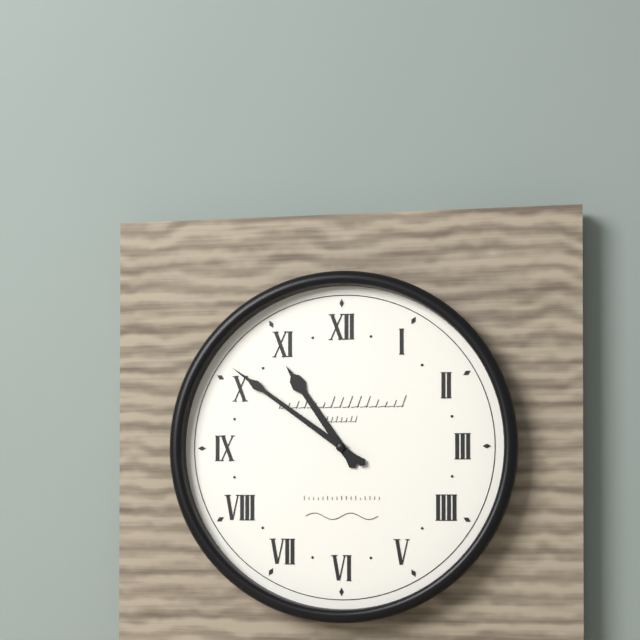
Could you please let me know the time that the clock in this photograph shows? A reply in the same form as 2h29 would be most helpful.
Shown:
10h51
